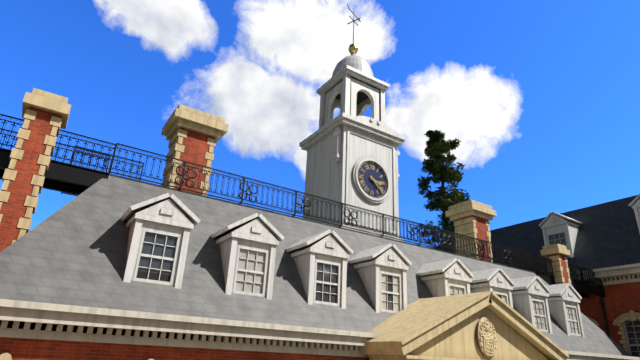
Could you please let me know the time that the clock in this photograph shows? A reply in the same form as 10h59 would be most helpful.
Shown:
3h22
